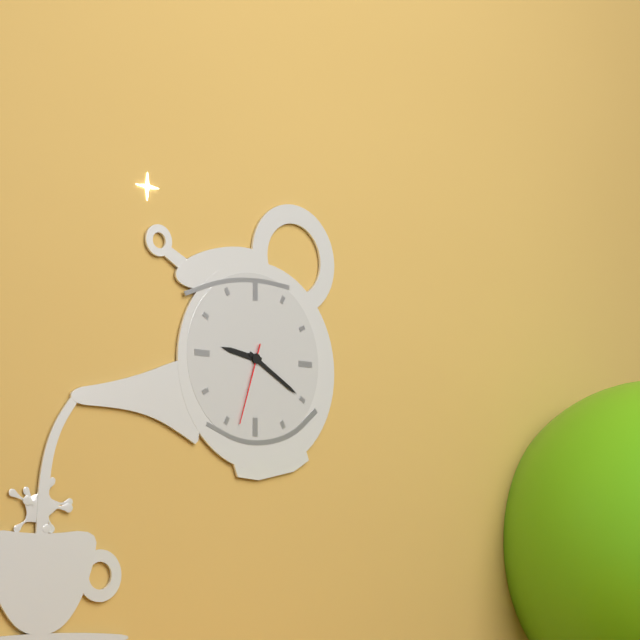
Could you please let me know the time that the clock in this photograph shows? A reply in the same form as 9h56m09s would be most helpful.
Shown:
9h20m33s
